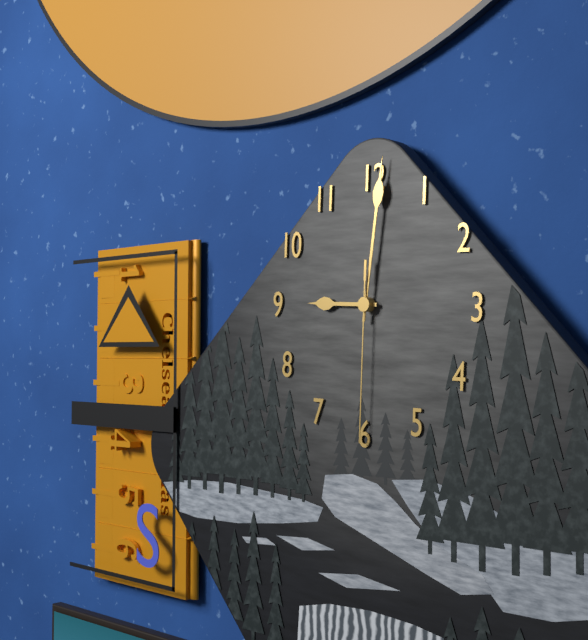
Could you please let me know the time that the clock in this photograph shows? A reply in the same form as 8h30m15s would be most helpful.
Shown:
9h01m30s
